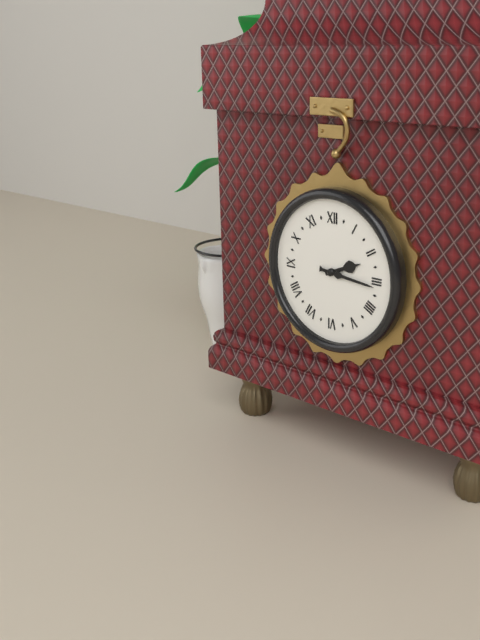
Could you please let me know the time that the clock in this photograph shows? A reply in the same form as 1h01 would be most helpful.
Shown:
2h16
